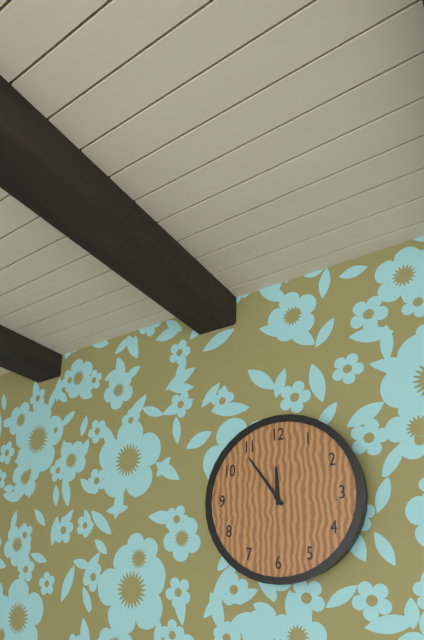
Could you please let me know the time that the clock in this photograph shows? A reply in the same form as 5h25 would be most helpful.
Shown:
11h54
